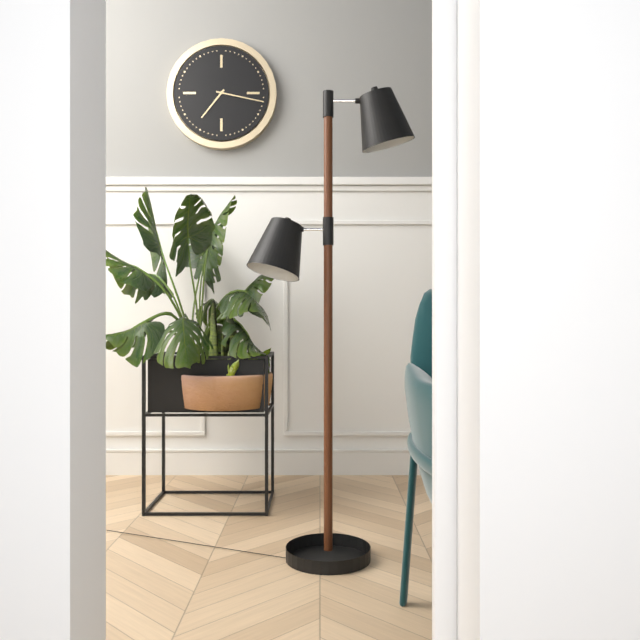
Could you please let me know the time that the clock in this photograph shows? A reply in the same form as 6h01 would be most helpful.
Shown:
7h17
